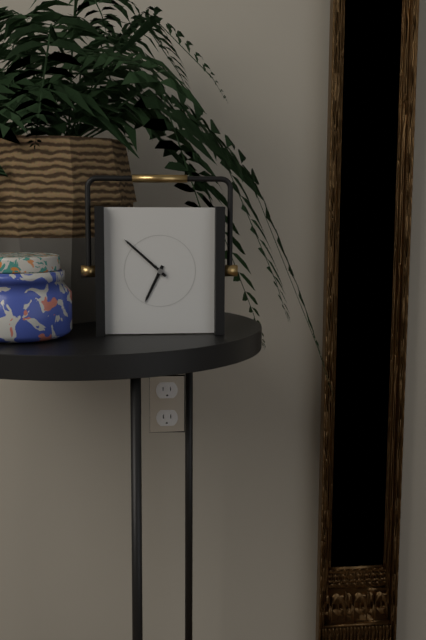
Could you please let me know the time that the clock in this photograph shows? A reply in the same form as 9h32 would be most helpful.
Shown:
6h52
